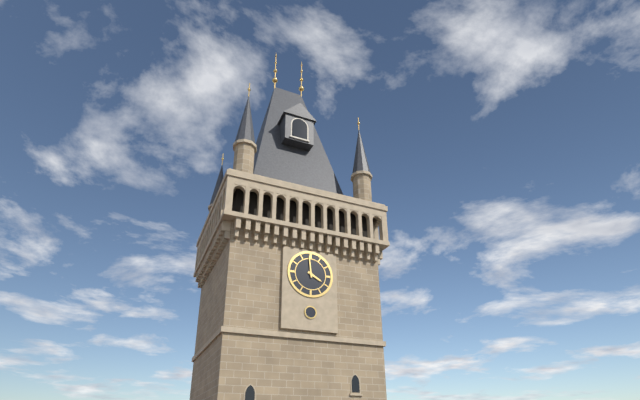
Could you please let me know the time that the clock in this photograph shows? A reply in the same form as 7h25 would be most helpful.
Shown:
3h59
